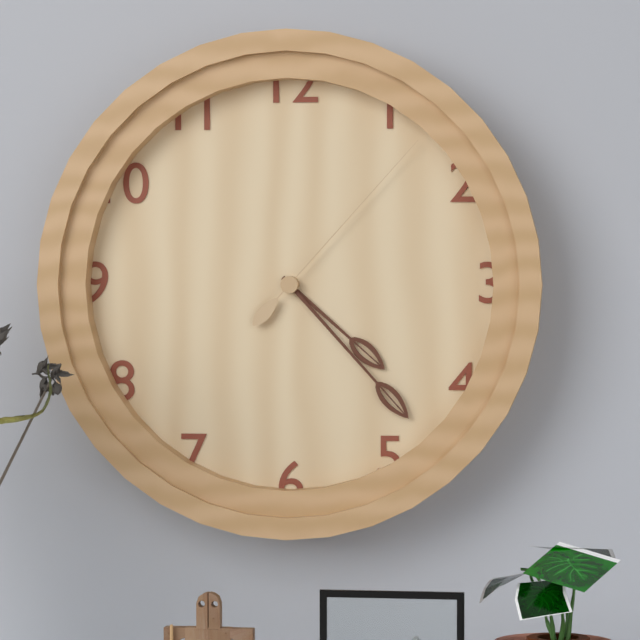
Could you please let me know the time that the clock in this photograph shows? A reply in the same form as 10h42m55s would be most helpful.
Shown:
4h23m07s
